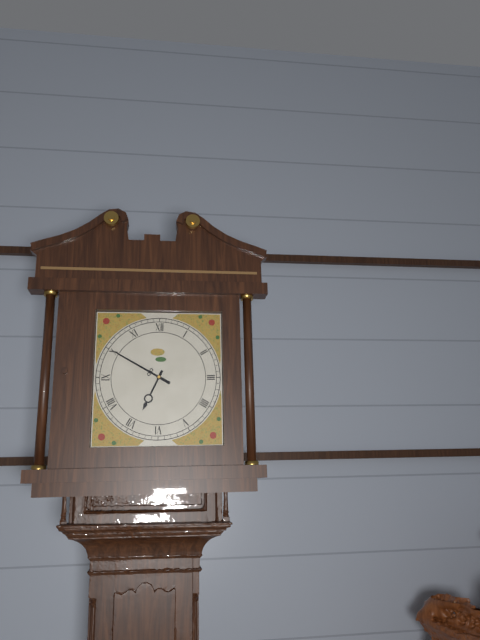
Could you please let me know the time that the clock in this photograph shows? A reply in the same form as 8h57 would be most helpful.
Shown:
6h50
